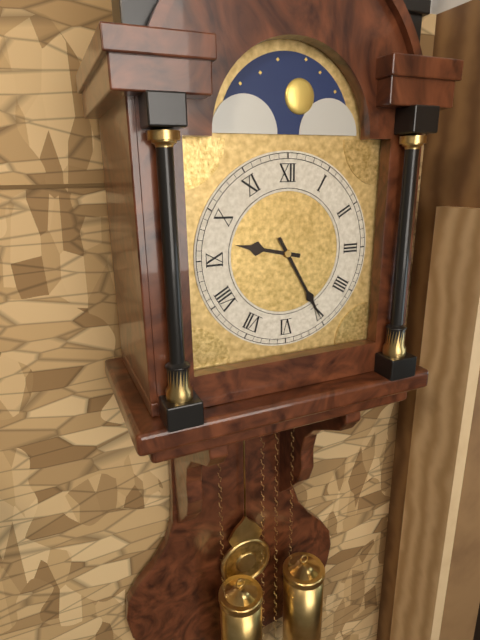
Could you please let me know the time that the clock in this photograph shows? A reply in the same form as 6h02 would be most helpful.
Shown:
9h25
